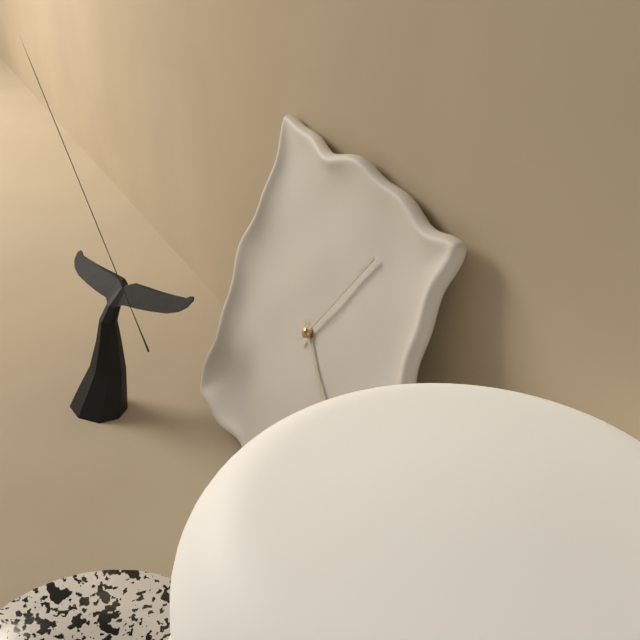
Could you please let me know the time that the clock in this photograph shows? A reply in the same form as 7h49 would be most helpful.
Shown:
4h05
